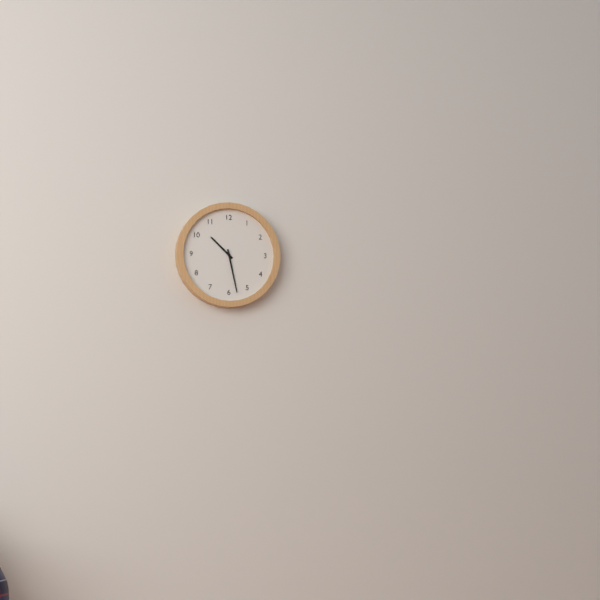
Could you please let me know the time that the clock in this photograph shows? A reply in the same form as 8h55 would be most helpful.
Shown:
10h28
